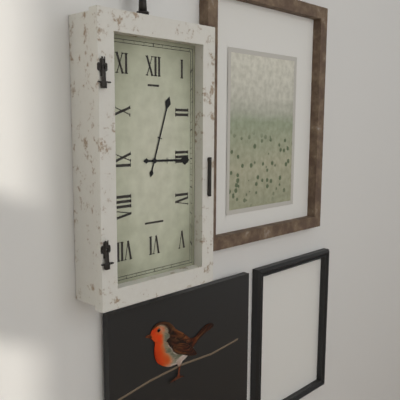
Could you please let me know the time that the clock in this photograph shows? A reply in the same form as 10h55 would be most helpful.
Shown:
3h03
